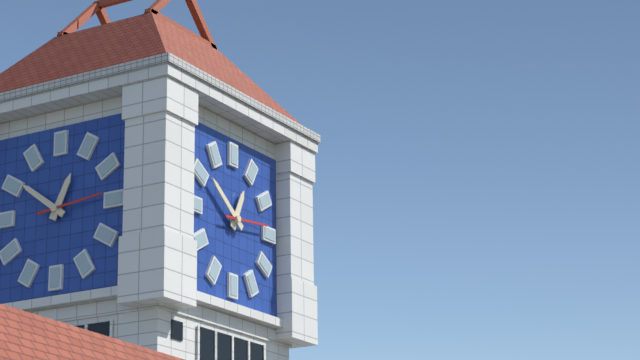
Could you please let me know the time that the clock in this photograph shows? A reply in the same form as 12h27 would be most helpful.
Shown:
12h51
